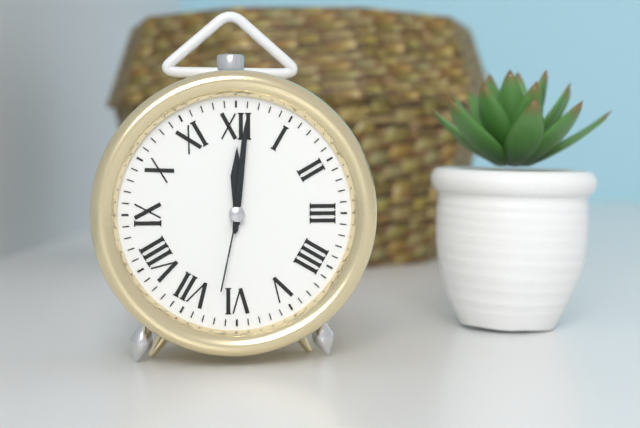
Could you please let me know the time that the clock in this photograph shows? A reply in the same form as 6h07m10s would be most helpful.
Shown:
12h01m32s
